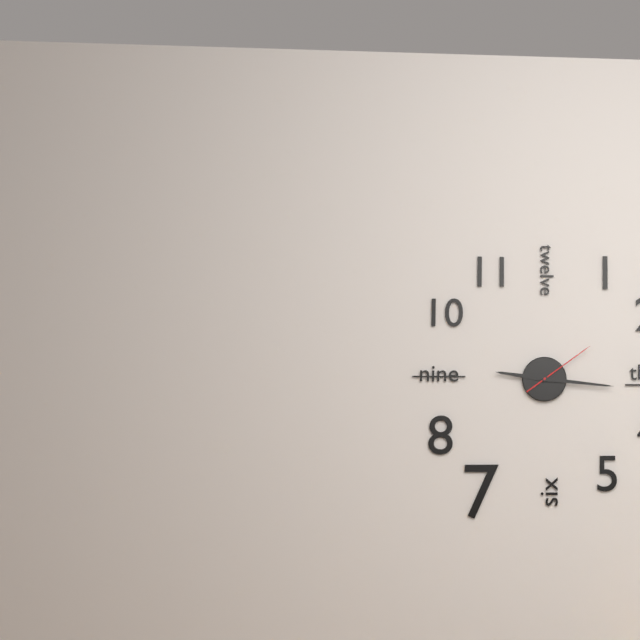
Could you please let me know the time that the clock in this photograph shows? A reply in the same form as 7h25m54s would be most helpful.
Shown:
9h16m09s
